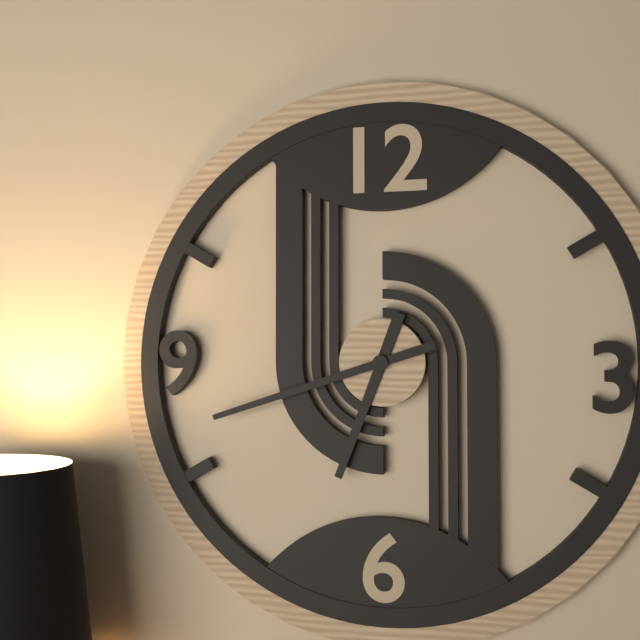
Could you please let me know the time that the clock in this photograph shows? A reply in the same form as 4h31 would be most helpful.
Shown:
6h42
